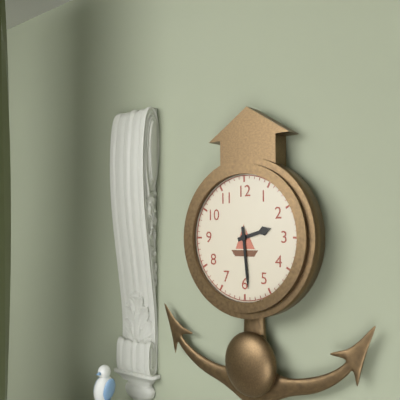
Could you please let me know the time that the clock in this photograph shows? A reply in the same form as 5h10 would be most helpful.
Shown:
2h29
